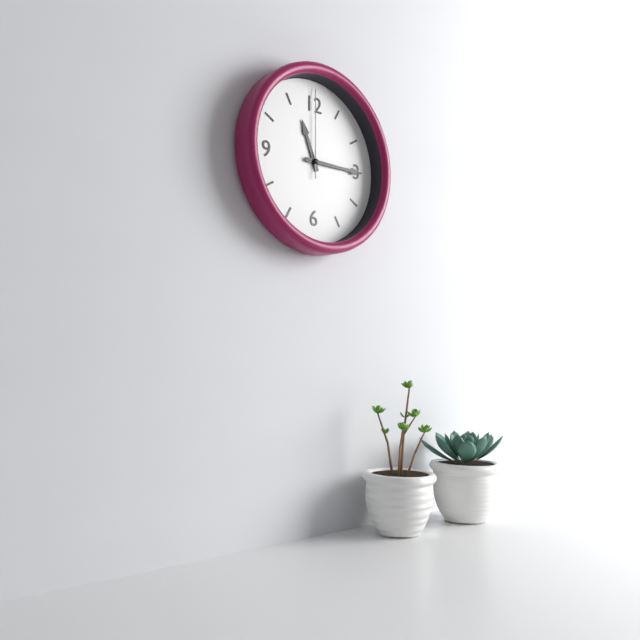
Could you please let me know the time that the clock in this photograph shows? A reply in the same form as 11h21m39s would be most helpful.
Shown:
11h15m00s
